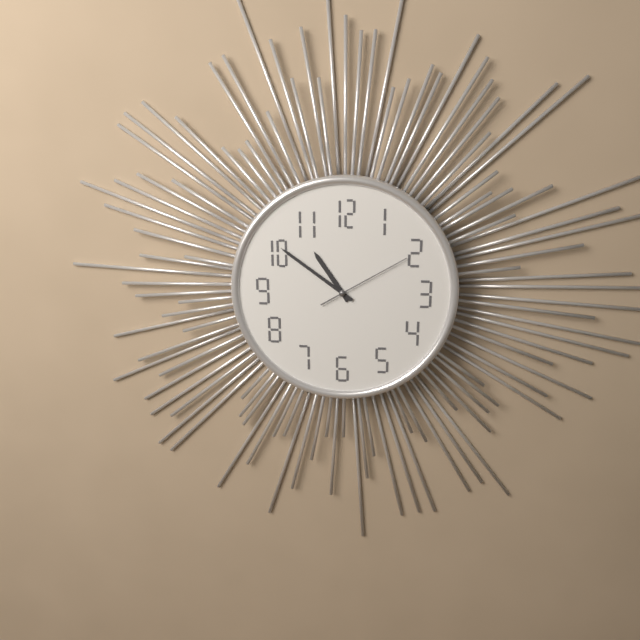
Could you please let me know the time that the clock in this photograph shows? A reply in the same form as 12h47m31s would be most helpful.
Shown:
10h51m10s
